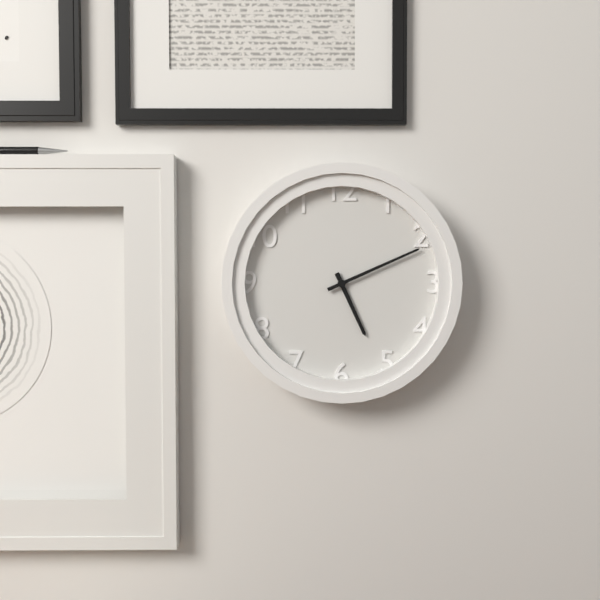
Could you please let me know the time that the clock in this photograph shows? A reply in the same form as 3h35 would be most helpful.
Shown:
5h11
